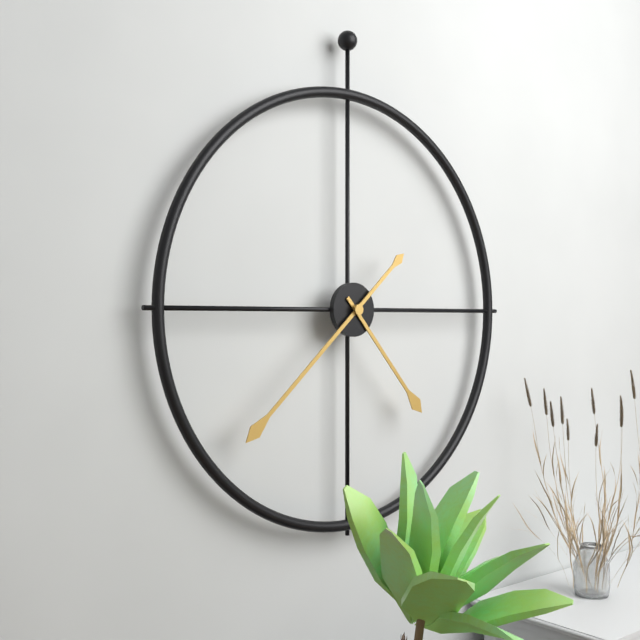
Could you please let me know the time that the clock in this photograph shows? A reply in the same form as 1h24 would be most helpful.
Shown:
4h38
